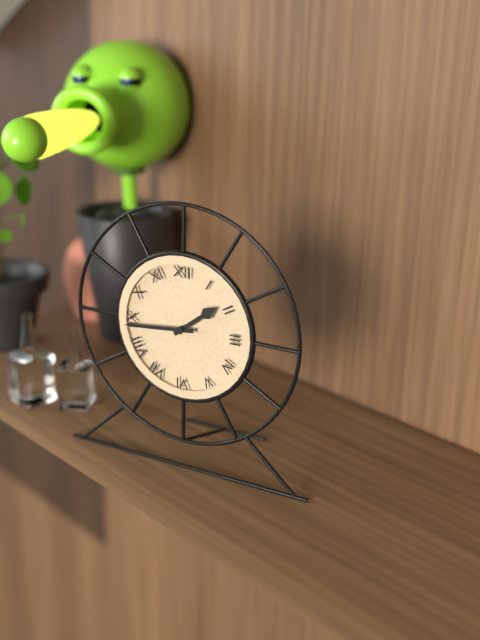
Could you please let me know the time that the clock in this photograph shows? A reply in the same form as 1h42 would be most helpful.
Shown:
1h44
